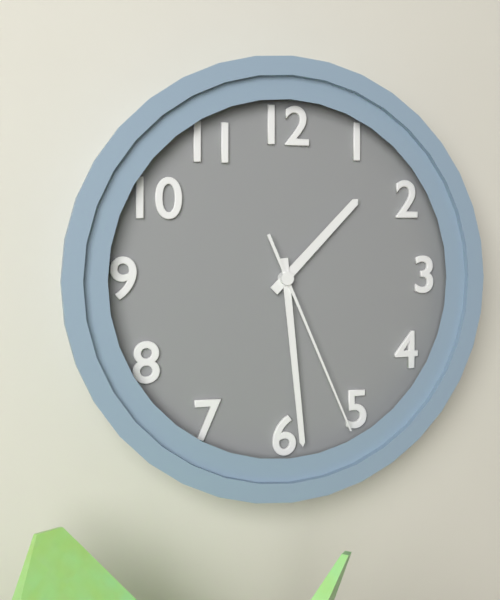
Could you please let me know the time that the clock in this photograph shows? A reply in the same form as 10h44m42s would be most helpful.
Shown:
1h29m26s
